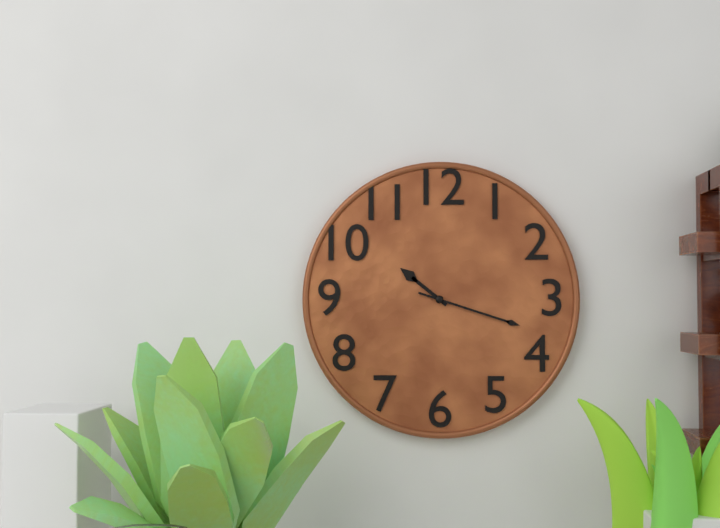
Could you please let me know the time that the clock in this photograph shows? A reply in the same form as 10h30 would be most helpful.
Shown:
10h18
